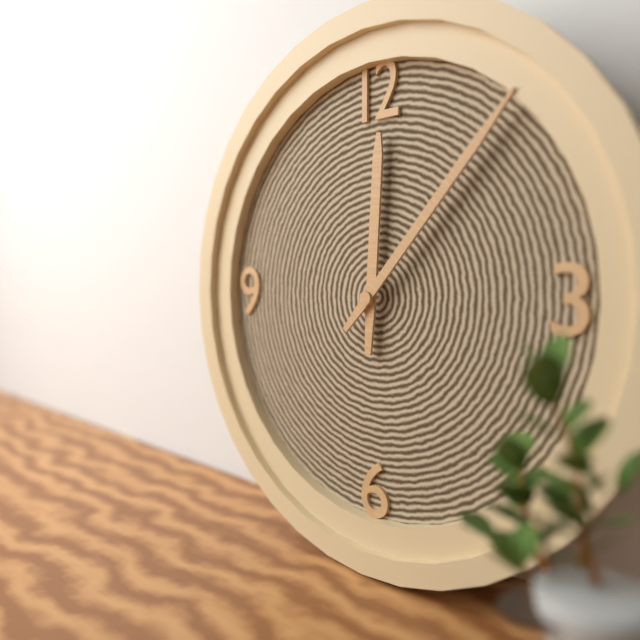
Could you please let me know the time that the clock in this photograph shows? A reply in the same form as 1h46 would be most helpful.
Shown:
12h07
